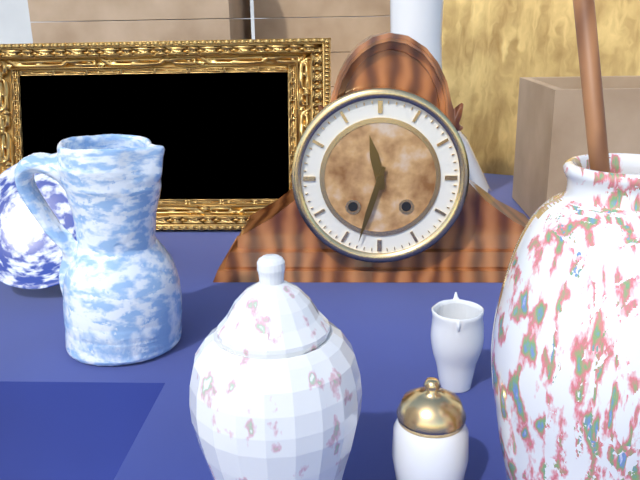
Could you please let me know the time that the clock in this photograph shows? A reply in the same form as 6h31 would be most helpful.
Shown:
11h33
